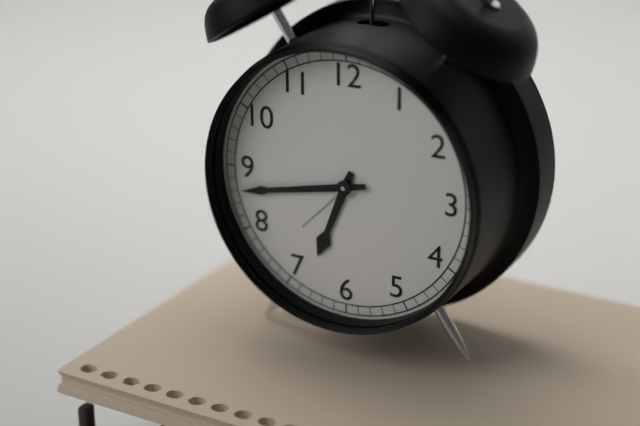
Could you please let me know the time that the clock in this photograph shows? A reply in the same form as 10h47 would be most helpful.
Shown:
6h43
